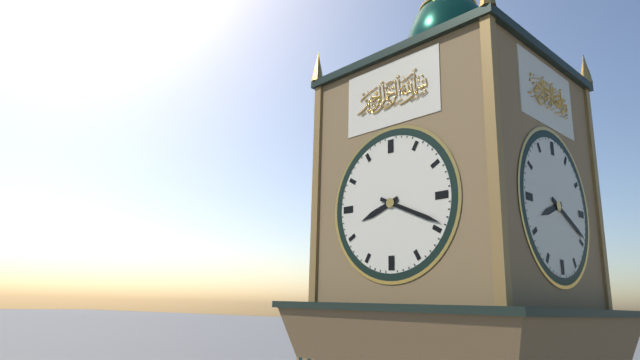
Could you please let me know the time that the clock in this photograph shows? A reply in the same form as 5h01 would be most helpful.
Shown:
8h19
